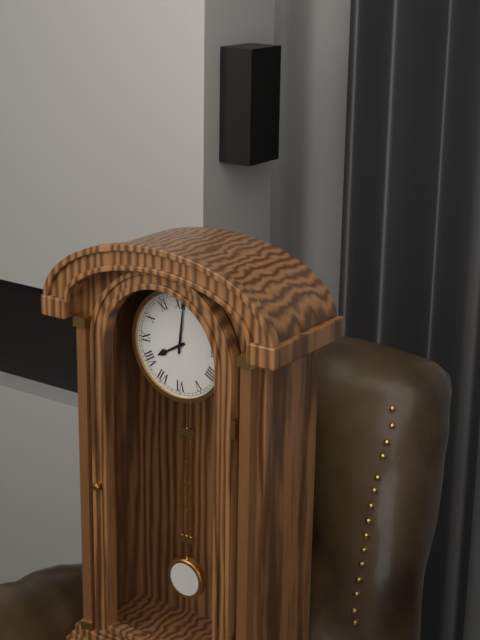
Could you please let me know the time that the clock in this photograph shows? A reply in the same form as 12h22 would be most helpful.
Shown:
8h01
